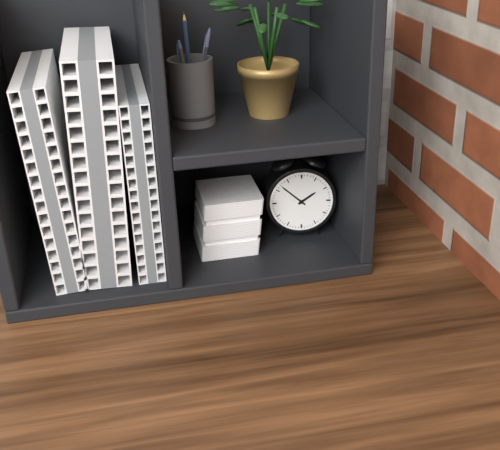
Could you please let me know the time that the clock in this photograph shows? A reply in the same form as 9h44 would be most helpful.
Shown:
1h52
